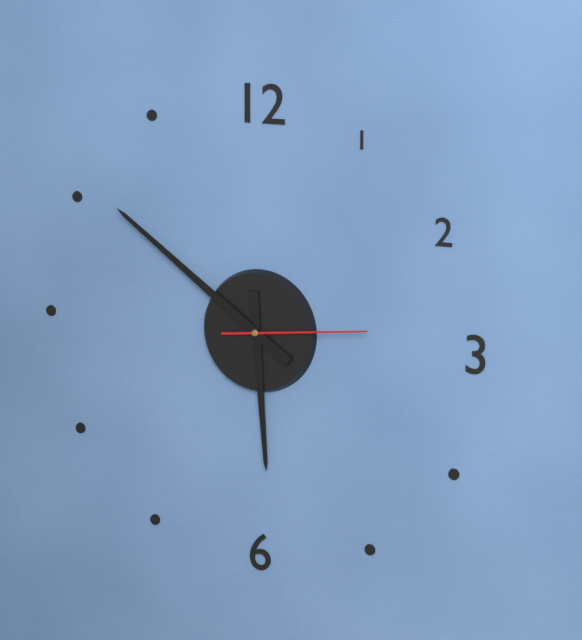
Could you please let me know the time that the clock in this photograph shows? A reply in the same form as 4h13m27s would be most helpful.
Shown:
5h51m14s
